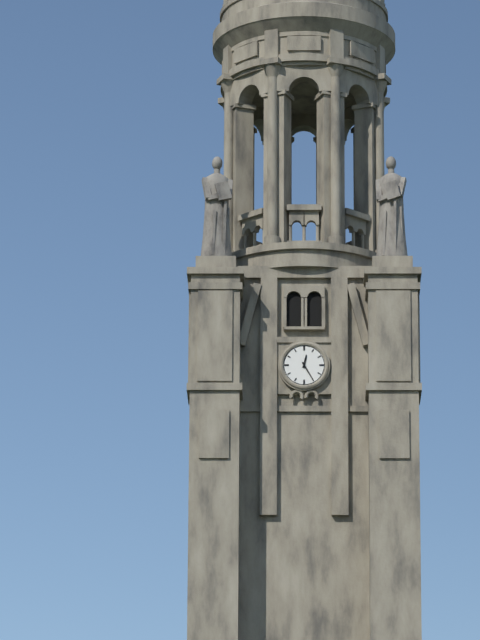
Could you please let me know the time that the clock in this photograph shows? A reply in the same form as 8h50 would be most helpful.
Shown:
12h25
